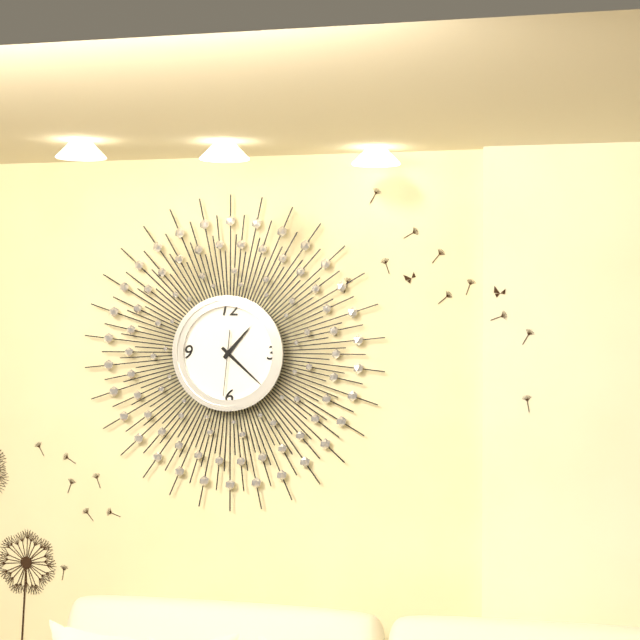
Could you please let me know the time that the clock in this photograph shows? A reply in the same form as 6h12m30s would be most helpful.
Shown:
1h22m31s
